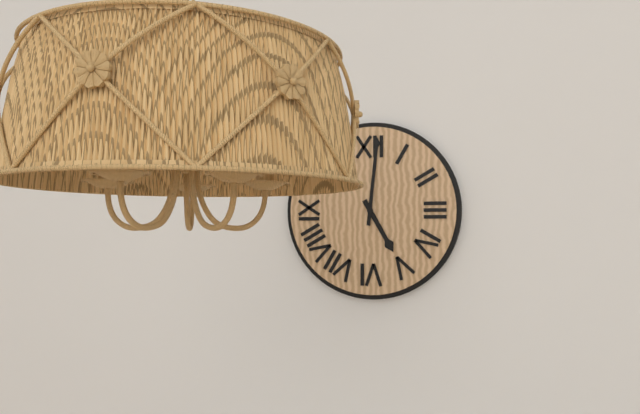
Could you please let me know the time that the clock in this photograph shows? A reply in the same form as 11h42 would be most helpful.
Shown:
5h01
